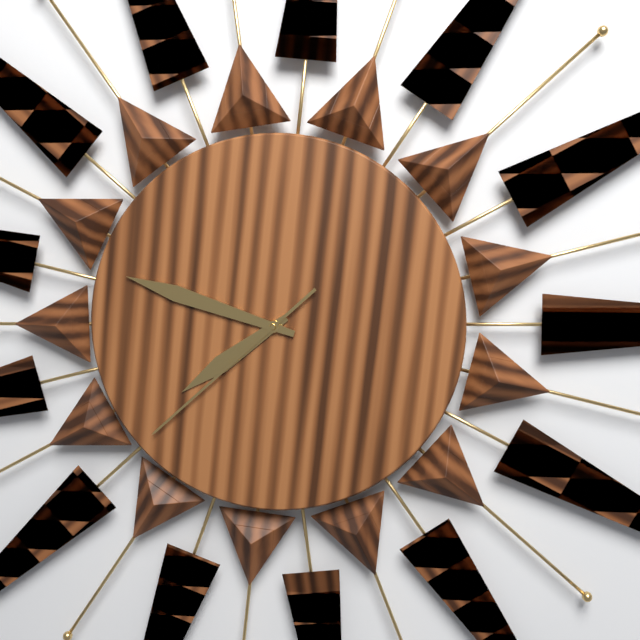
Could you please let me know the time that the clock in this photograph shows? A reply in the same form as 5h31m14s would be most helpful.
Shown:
7h48m38s
